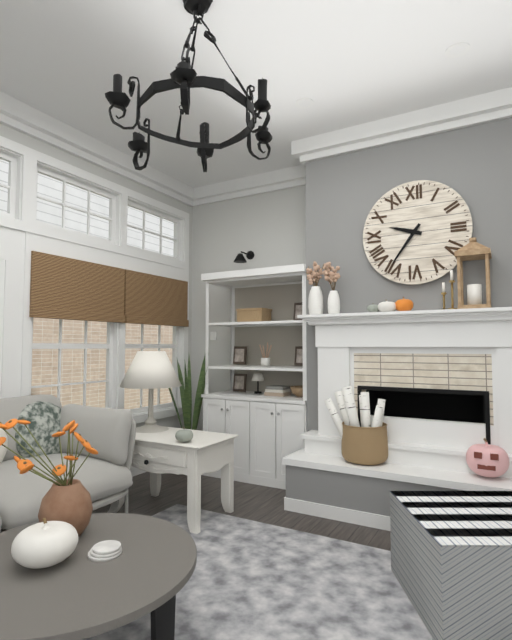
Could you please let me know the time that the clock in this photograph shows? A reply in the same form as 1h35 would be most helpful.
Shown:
9h36
